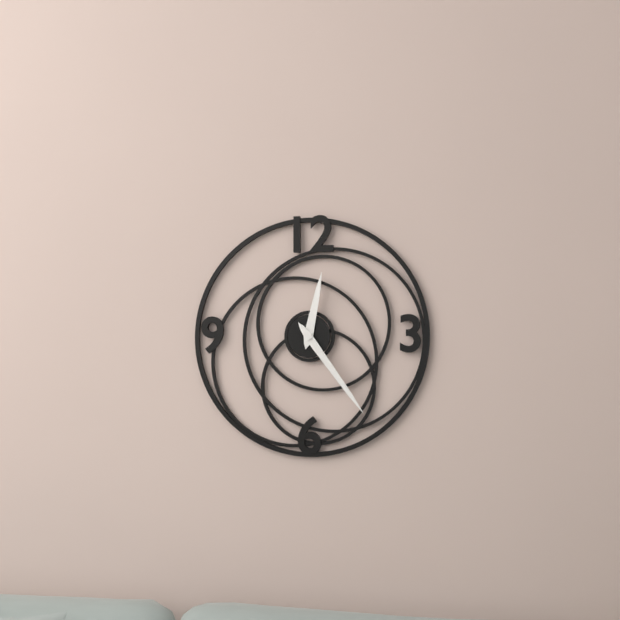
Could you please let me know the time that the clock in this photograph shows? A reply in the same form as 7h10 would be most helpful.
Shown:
12h24
